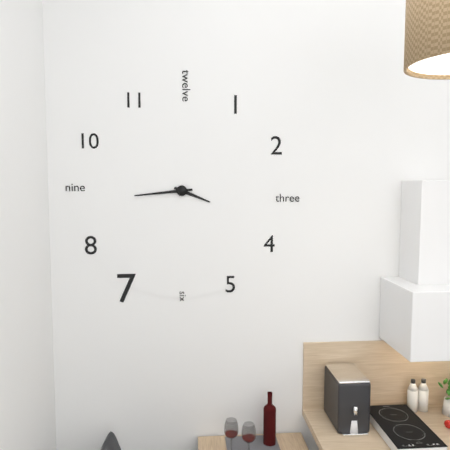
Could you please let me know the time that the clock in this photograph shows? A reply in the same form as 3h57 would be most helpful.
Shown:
3h44
